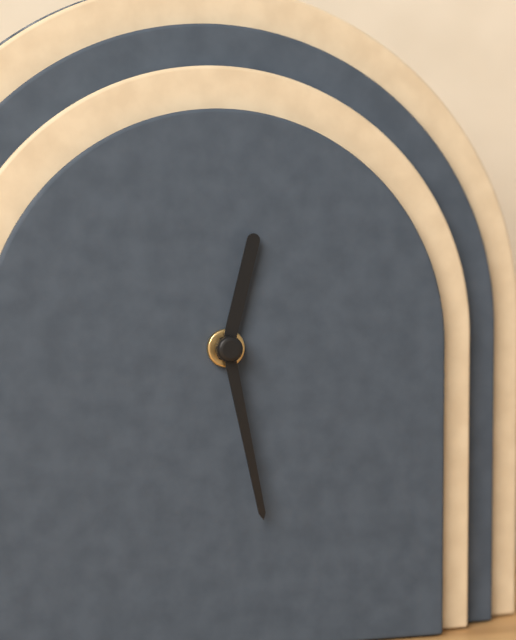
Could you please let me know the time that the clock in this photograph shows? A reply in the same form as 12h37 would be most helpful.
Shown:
12h28
